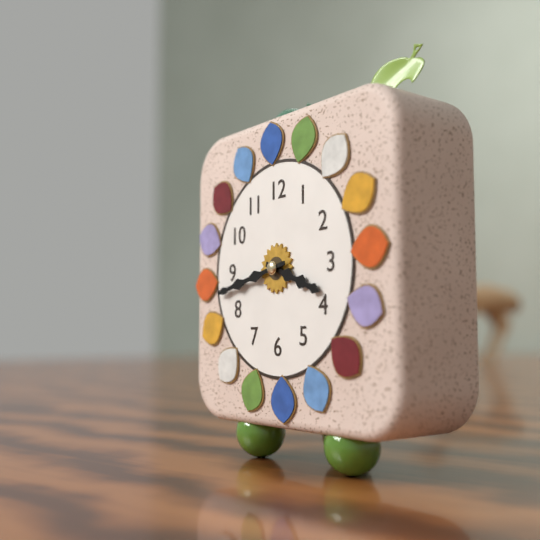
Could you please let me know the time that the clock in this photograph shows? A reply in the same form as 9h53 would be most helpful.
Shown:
3h43
